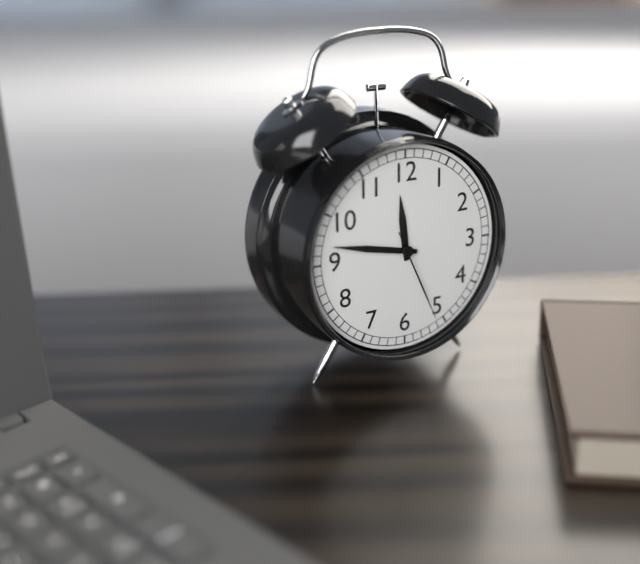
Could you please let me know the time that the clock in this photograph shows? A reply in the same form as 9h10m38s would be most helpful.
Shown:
11h47m26s
